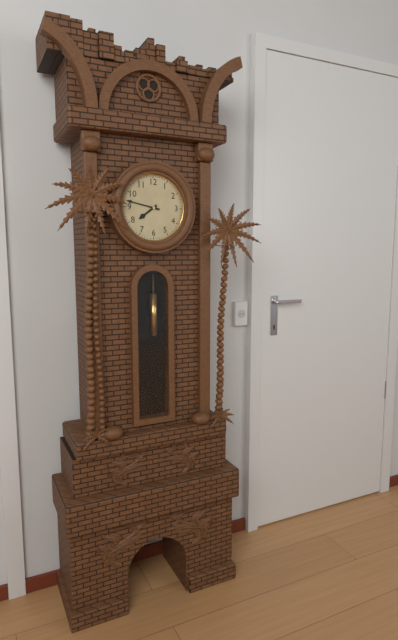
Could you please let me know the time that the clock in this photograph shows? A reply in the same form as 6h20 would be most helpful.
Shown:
7h47
